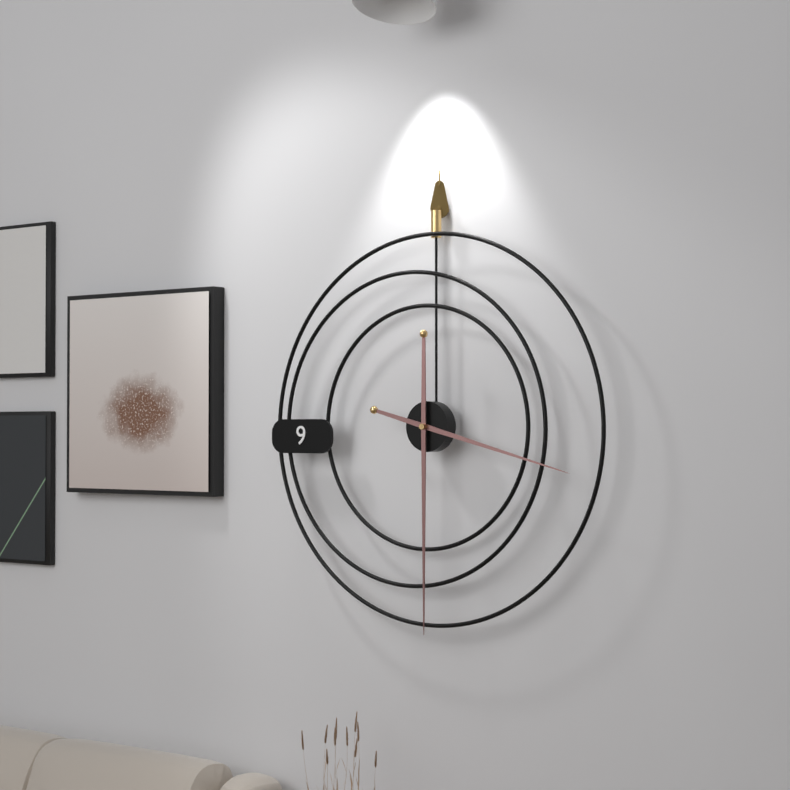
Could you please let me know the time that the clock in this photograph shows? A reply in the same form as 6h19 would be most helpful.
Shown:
3h30
